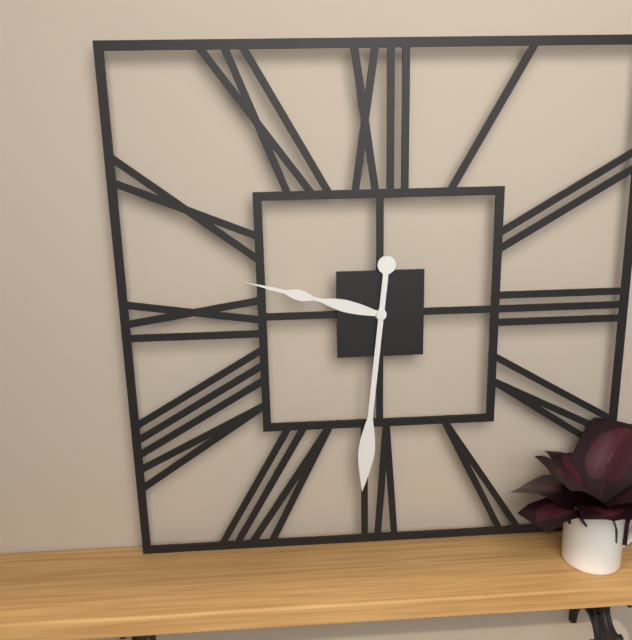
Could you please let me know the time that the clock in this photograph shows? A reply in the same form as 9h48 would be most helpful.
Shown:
9h31
